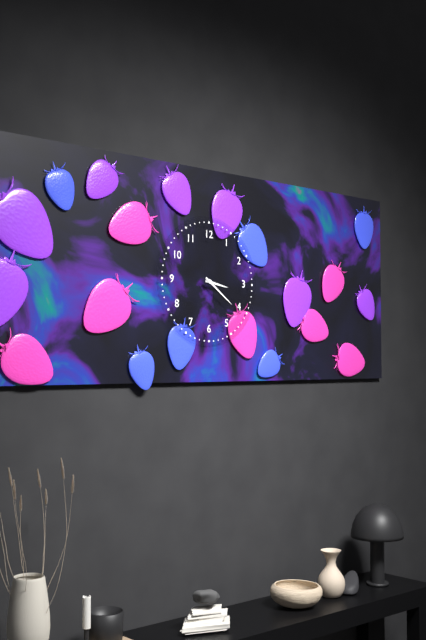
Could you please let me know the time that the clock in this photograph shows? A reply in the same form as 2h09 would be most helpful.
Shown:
3h21
